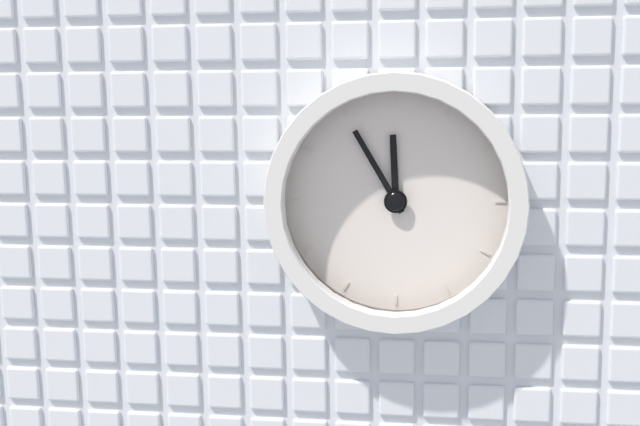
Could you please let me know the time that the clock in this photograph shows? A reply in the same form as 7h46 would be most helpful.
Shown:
11h55
